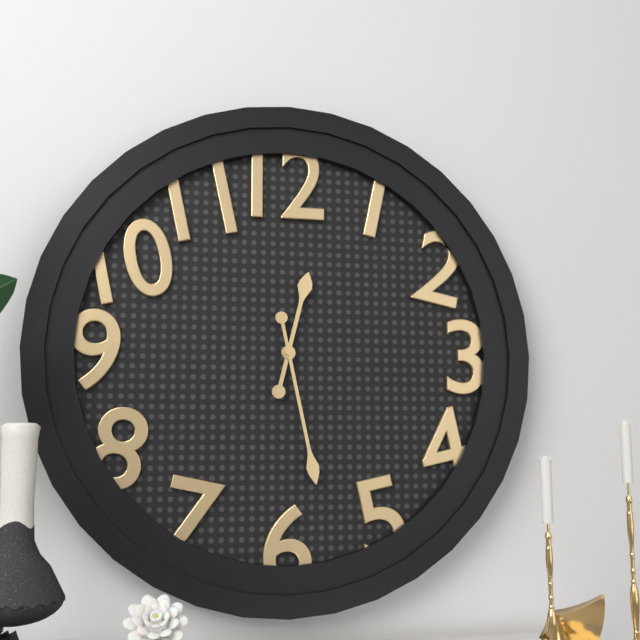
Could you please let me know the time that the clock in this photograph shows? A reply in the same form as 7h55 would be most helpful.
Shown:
12h28
